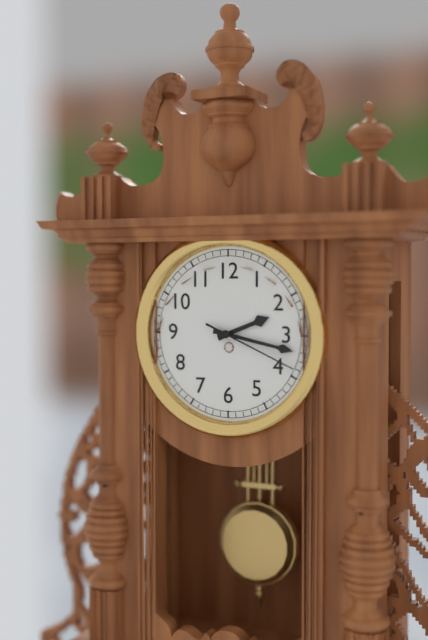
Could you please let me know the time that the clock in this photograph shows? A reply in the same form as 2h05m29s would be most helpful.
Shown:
2h17m19s
